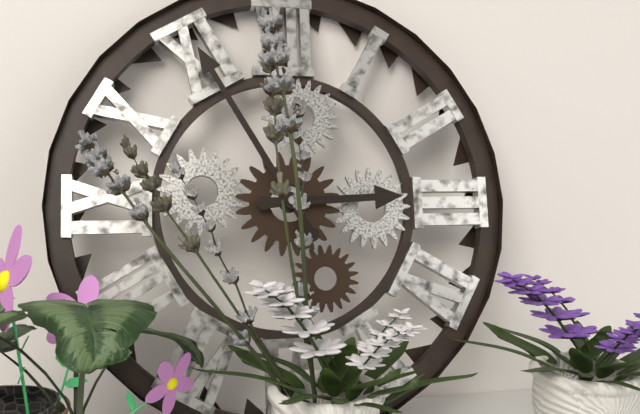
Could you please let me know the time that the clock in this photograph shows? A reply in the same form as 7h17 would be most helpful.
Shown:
2h55
